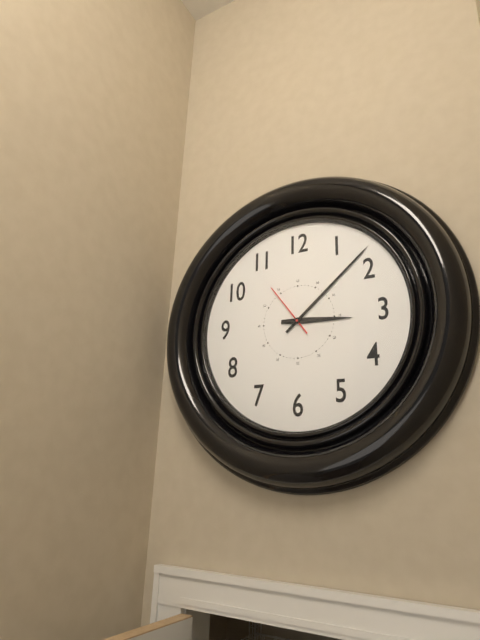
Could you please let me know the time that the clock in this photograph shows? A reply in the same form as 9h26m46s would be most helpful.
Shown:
3h08m54s
